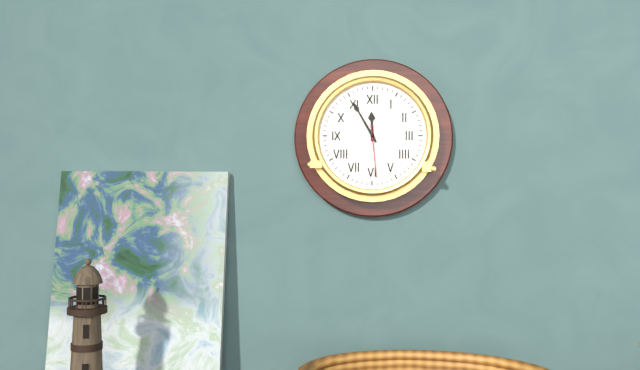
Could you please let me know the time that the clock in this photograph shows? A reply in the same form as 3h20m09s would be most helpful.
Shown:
11h55m29s
